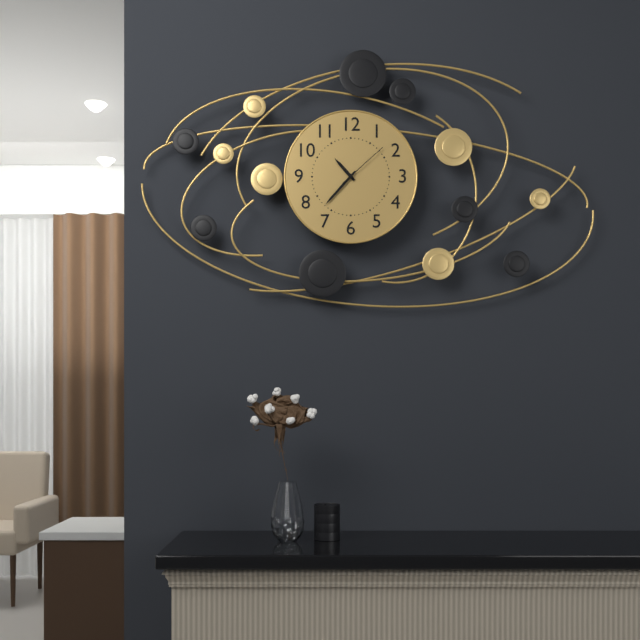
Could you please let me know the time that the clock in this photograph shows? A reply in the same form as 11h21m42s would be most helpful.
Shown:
10h37m08s
